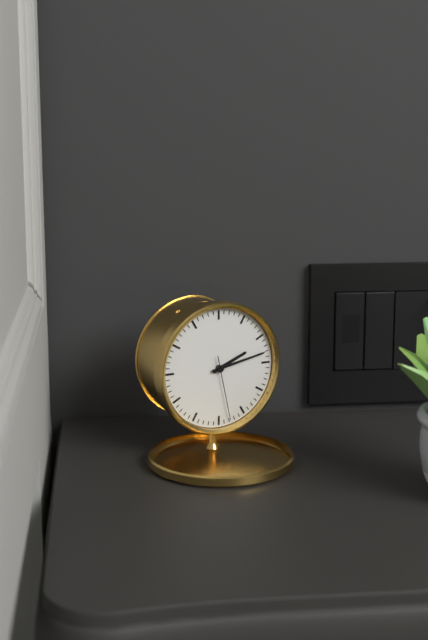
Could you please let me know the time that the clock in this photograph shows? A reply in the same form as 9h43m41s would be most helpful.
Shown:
2h13m28s
